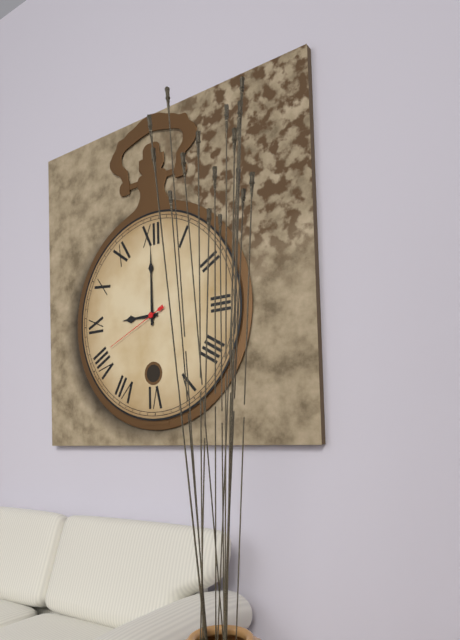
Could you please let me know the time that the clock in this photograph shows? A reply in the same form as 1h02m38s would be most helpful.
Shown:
9h00m41s
